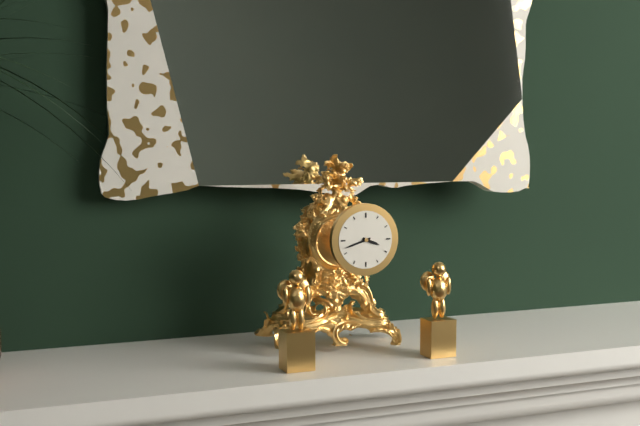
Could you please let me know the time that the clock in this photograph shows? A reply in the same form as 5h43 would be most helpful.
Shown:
3h42
